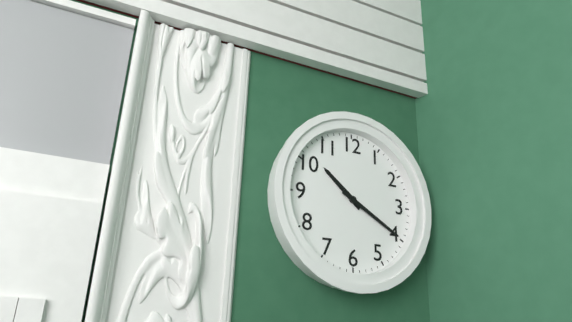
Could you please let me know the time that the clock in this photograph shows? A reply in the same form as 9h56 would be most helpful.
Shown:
10h20
